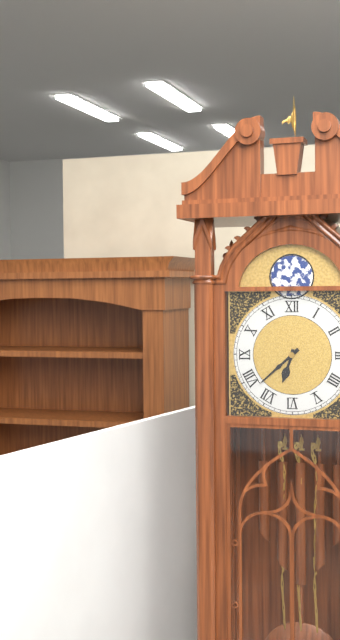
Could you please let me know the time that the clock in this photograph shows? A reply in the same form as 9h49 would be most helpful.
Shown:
6h38
